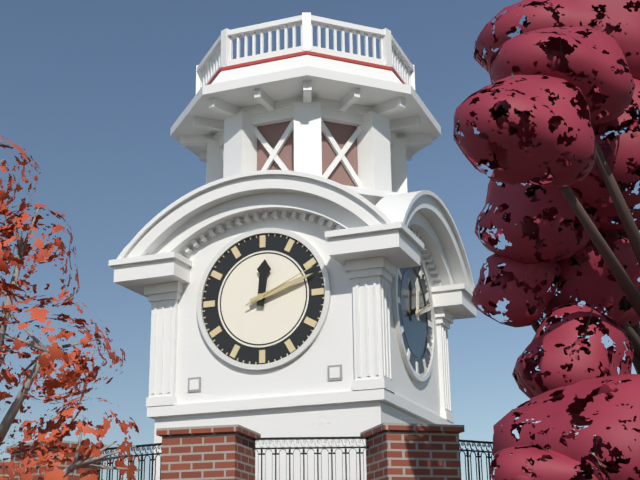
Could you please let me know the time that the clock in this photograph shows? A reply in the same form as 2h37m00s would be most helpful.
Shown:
12h12m11s
